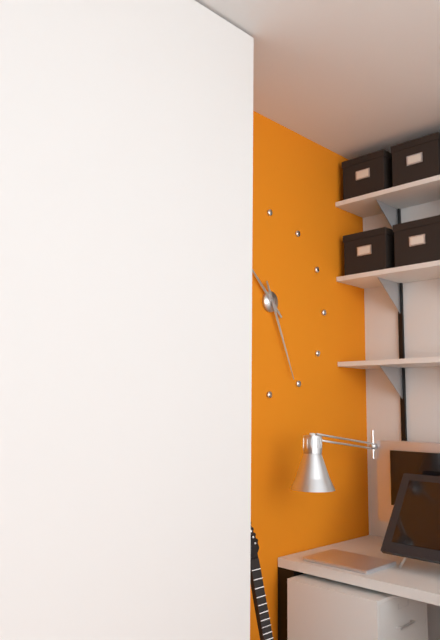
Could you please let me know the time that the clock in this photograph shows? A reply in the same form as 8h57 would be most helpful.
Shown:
10h26
